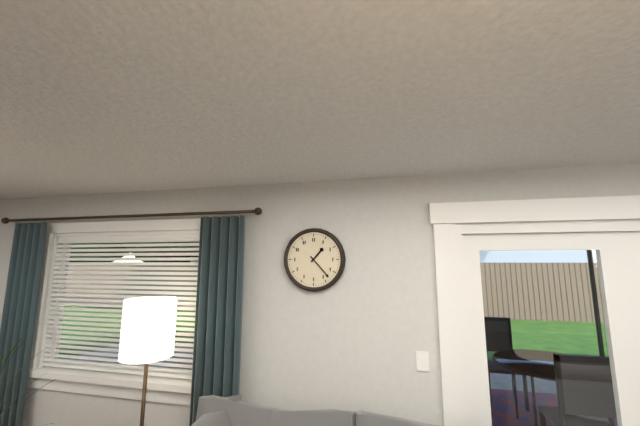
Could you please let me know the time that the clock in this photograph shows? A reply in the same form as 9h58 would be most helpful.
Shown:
1h23
